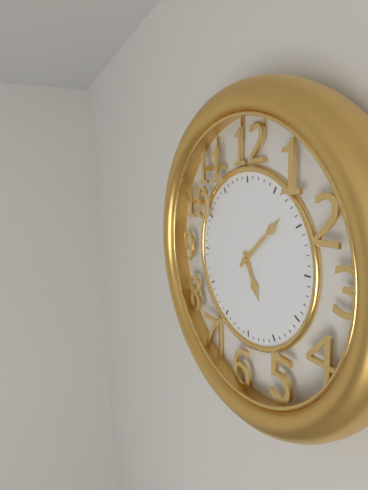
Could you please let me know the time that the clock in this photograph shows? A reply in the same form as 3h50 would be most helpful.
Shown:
5h08
